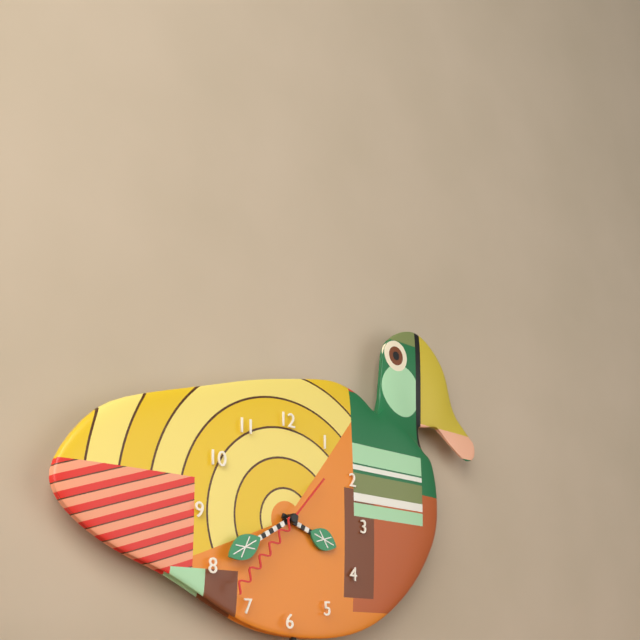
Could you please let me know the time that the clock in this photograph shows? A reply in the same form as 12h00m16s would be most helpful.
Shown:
3h40m37s
